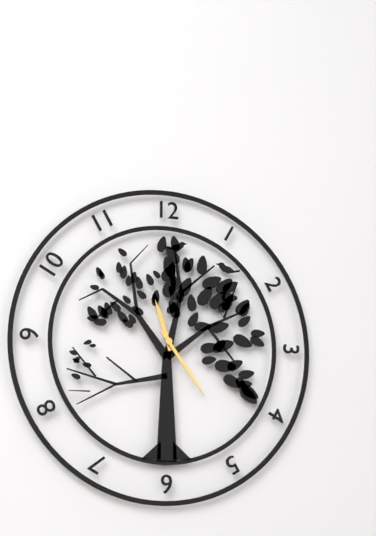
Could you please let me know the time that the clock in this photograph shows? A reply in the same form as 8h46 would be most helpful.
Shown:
11h24
